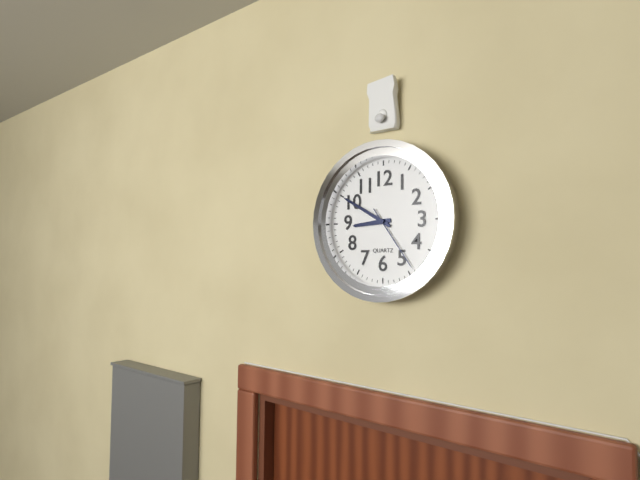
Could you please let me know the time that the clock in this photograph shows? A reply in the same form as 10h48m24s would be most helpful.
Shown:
8h50m24s
